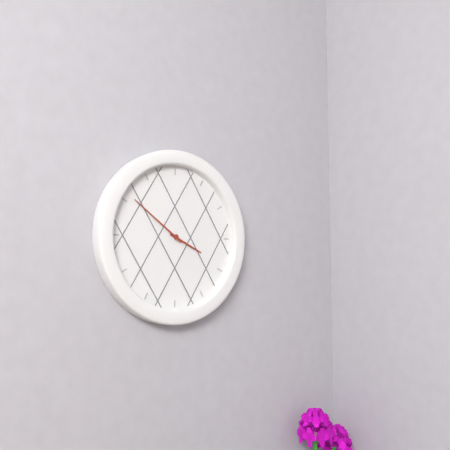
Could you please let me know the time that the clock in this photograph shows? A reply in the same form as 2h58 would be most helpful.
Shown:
3h51
